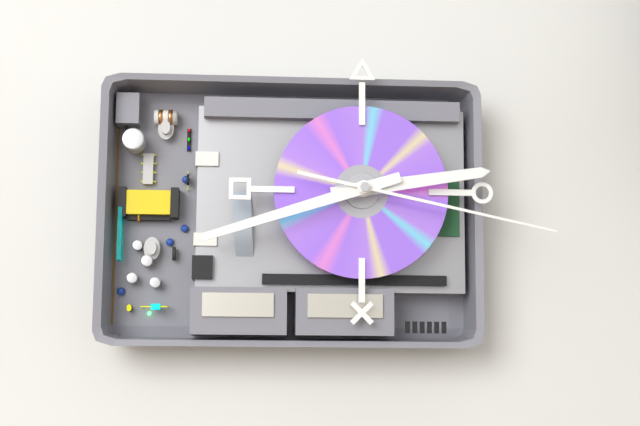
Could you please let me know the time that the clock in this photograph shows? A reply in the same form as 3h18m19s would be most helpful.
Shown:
2h42m17s
